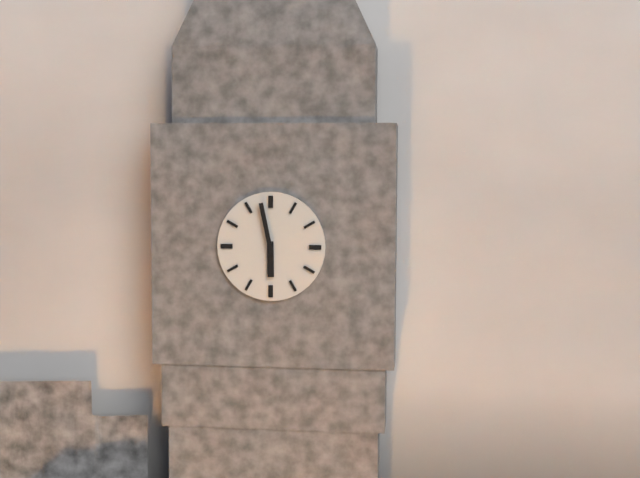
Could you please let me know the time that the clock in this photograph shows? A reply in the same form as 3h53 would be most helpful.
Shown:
5h58
